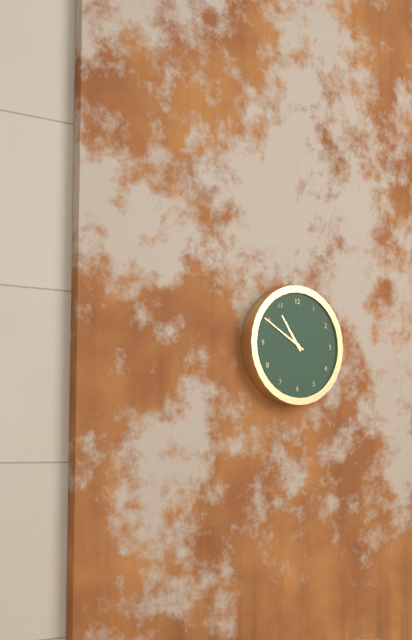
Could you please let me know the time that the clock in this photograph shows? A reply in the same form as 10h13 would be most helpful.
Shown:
10h50
